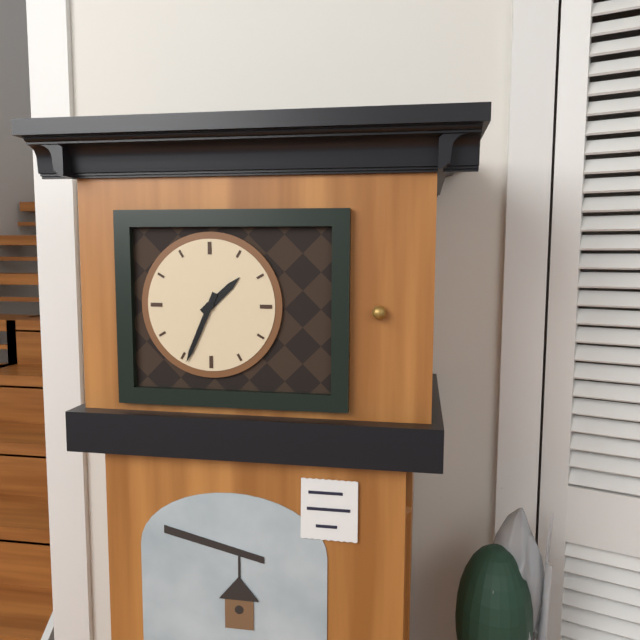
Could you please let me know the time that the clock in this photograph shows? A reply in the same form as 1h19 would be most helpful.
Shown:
1h34
